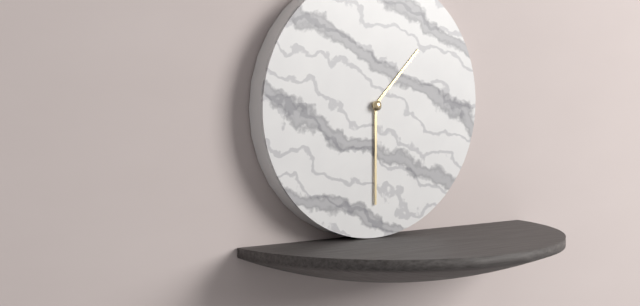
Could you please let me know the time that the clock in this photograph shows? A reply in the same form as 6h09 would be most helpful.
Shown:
1h30
